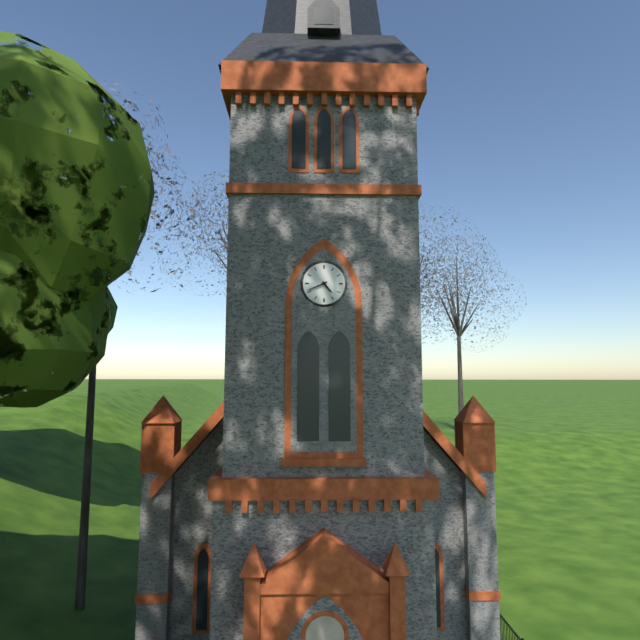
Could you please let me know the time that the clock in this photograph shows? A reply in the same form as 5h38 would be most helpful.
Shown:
4h41
